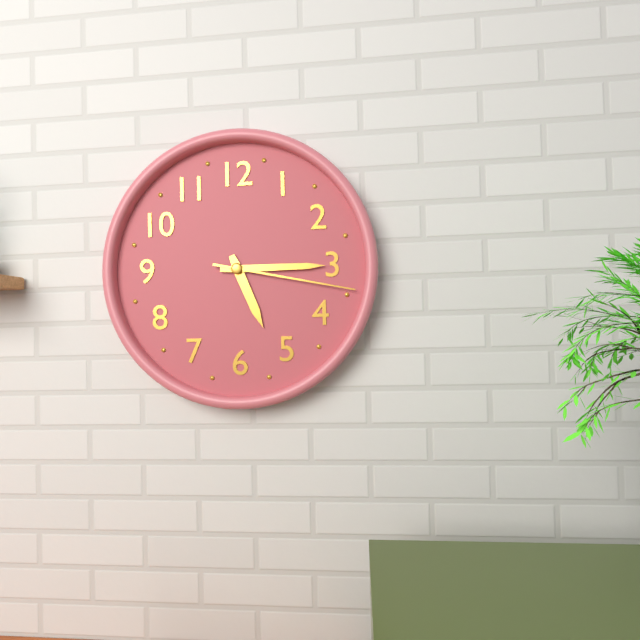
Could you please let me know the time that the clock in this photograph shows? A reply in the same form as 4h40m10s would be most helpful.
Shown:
5h15m17s
